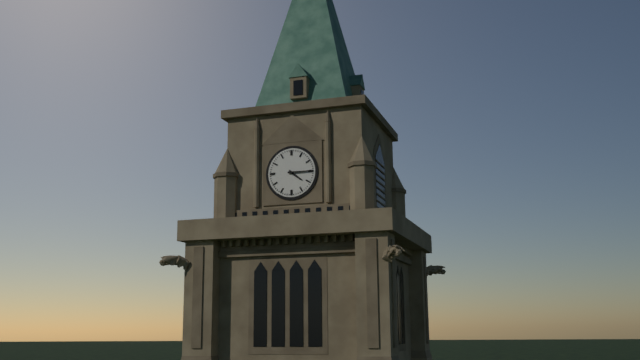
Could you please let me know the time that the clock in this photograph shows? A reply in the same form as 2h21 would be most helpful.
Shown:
4h15
